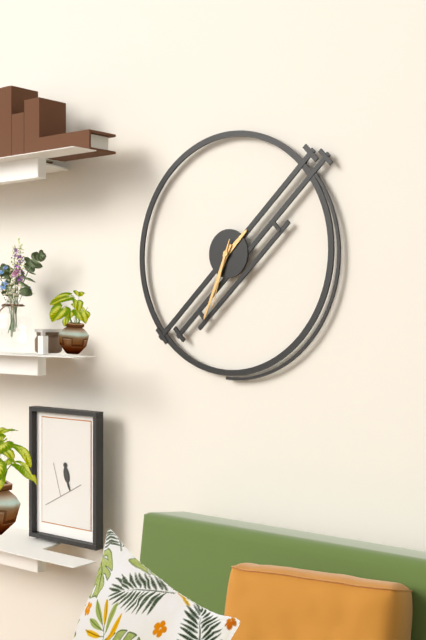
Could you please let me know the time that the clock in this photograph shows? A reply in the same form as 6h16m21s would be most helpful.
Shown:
1h34m33s
